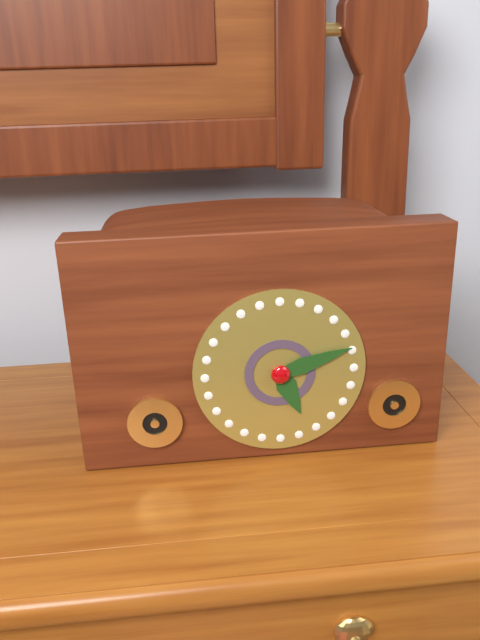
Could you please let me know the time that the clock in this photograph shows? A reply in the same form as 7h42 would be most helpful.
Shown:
5h12
